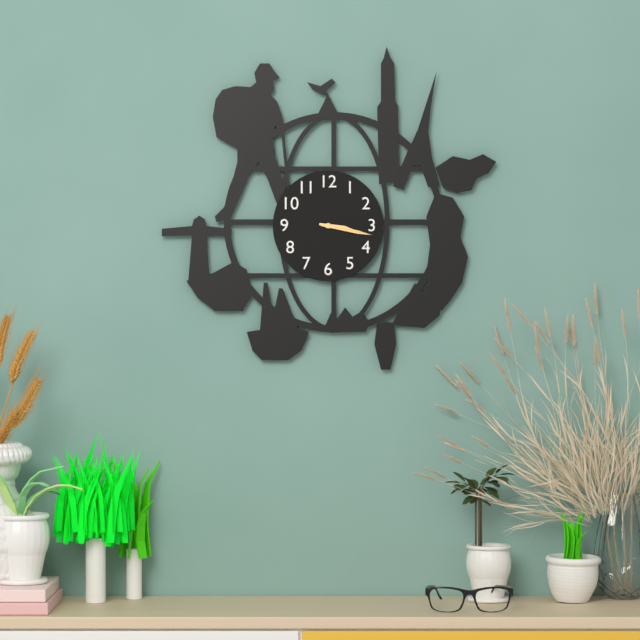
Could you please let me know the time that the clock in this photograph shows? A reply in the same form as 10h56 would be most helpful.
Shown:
3h17
